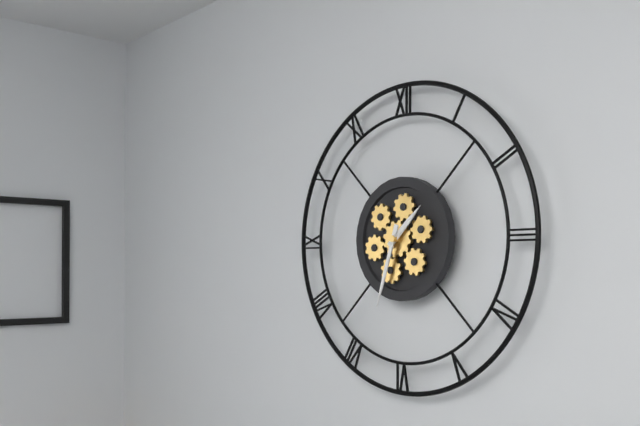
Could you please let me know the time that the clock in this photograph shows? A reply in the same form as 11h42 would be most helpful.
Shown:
1h33
